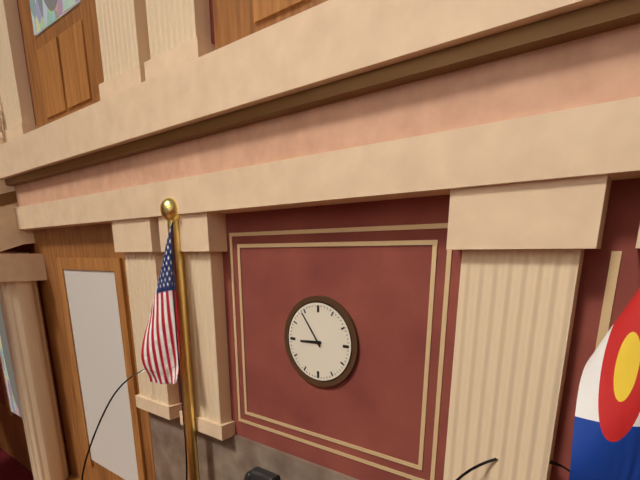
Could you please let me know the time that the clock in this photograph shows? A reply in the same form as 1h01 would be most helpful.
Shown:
8h54
